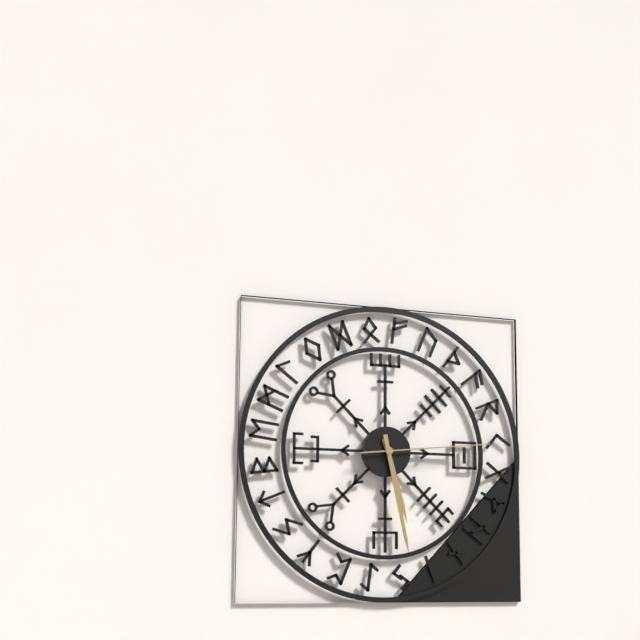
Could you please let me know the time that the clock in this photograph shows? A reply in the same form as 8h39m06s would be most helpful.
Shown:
5h28m14s
